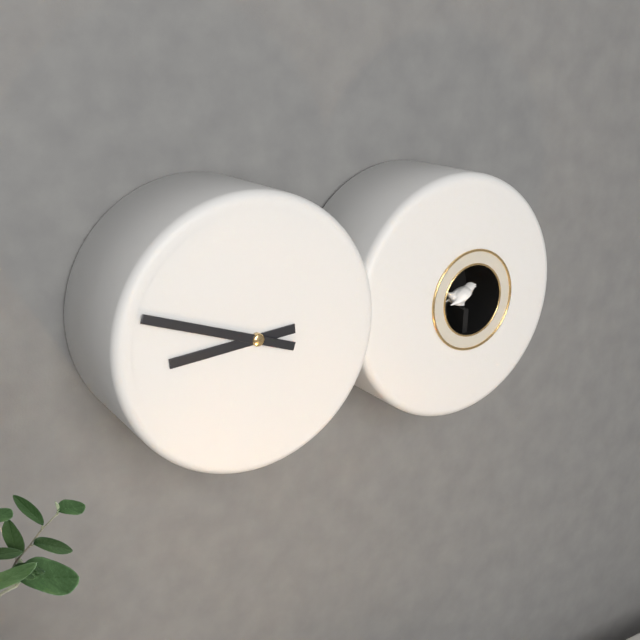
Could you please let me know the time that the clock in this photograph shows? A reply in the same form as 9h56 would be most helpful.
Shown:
8h48
